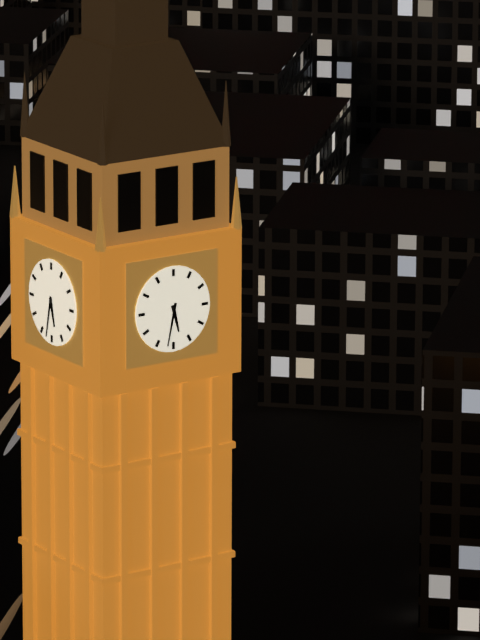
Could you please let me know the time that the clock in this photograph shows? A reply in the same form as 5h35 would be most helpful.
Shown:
5h32
